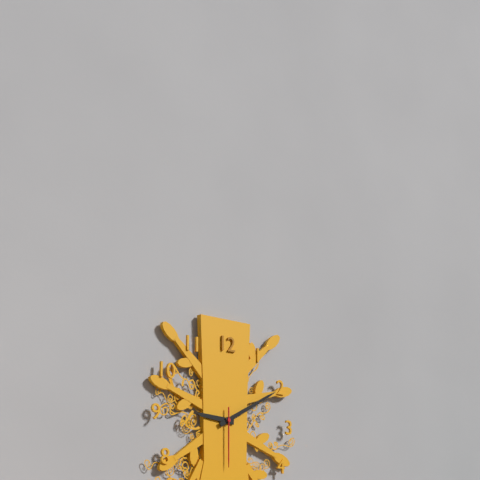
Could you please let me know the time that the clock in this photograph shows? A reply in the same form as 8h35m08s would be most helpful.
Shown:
9h10m30s
